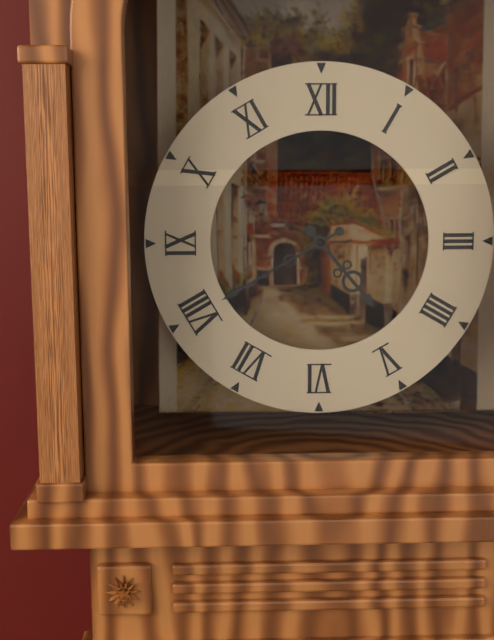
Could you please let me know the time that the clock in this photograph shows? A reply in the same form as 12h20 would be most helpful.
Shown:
4h40
